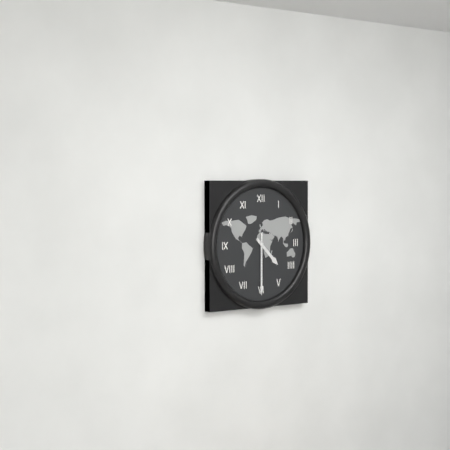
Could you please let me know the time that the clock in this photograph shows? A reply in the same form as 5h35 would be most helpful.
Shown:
4h30
